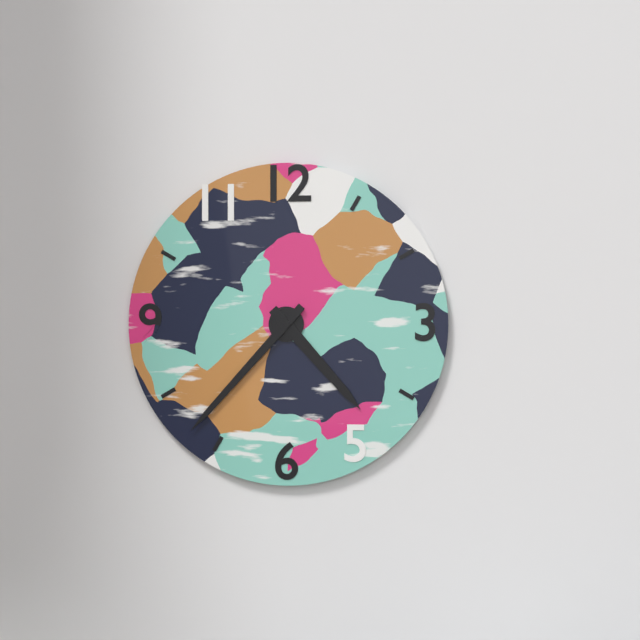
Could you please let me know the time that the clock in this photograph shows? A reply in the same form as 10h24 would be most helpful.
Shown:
4h37
